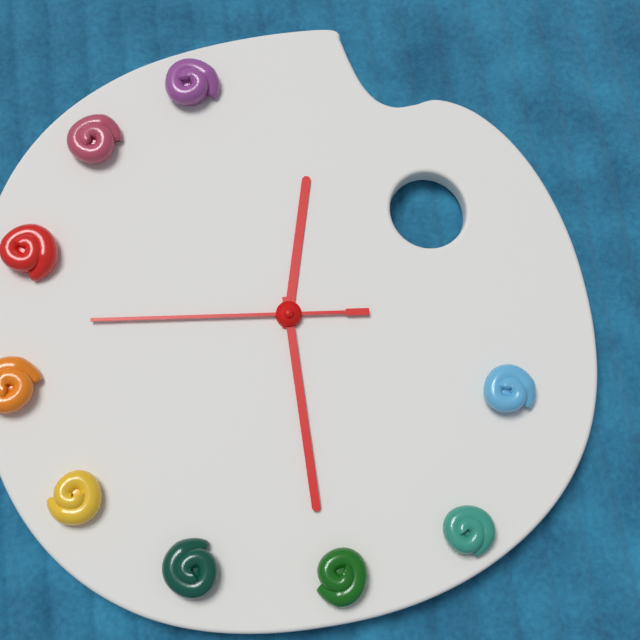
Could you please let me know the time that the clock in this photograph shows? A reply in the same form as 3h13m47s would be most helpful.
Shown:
12h30m46s
